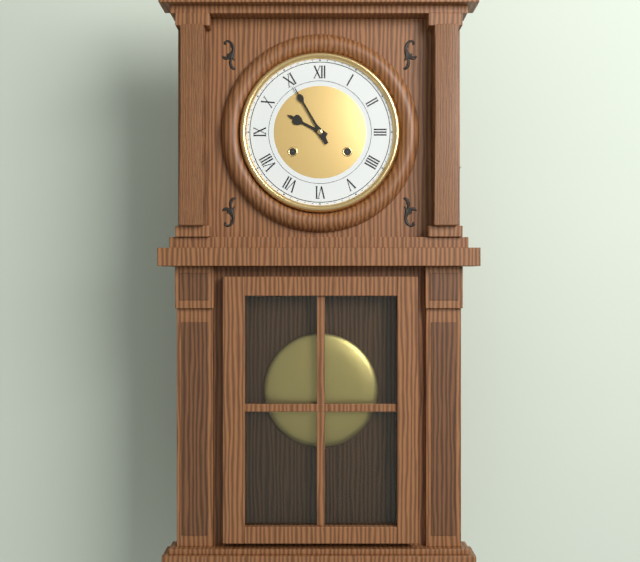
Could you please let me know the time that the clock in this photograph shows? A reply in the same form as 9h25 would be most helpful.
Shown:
9h55
